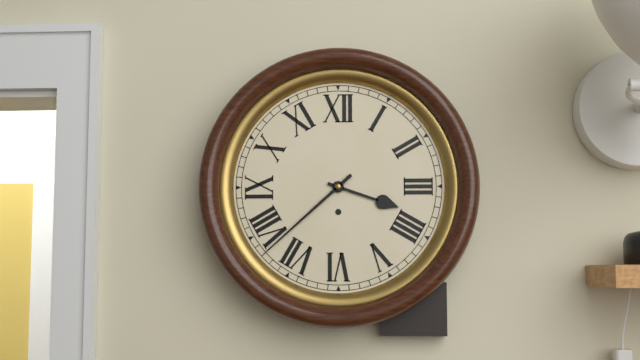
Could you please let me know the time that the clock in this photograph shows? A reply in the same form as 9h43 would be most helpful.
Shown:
3h38
